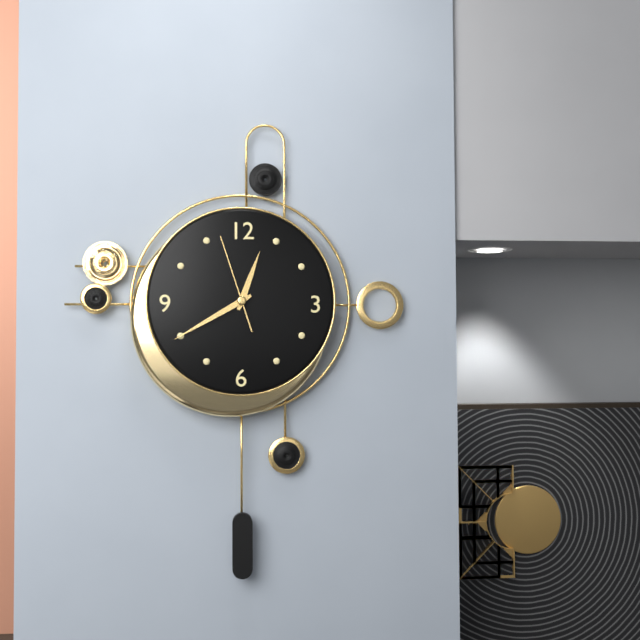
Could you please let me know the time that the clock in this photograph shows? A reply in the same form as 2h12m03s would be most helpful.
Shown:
12h40m57s
